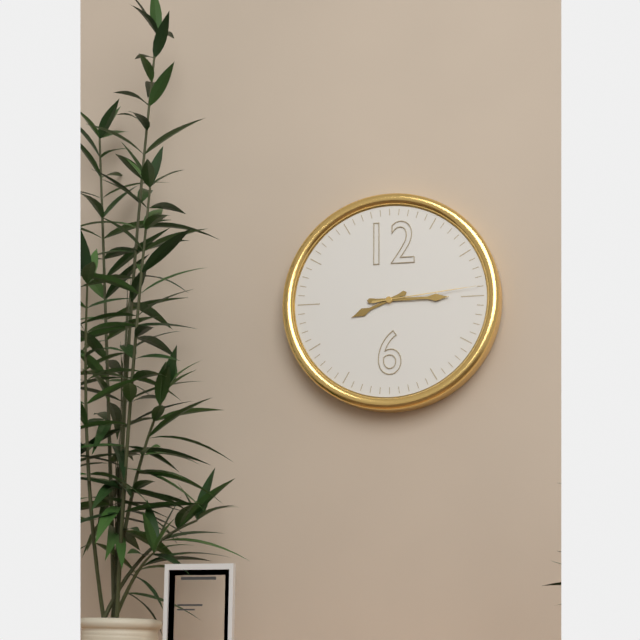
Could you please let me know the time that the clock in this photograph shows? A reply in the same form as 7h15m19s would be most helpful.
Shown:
8h15m14s
